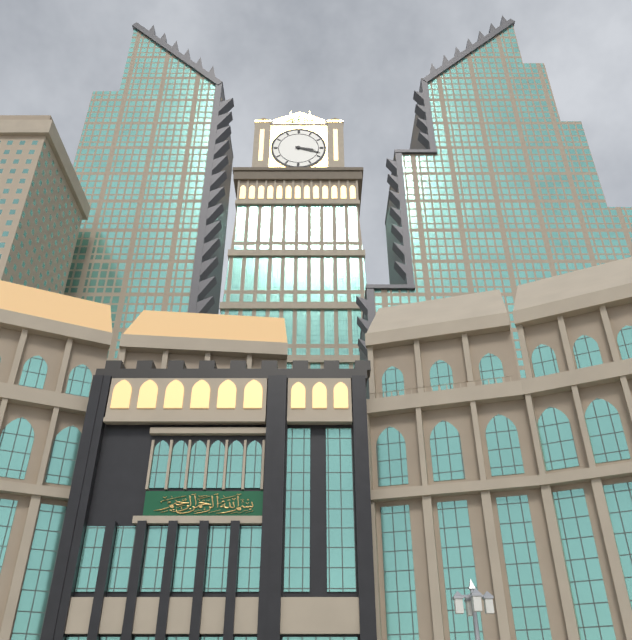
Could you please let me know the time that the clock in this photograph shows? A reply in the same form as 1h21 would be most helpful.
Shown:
3h18
